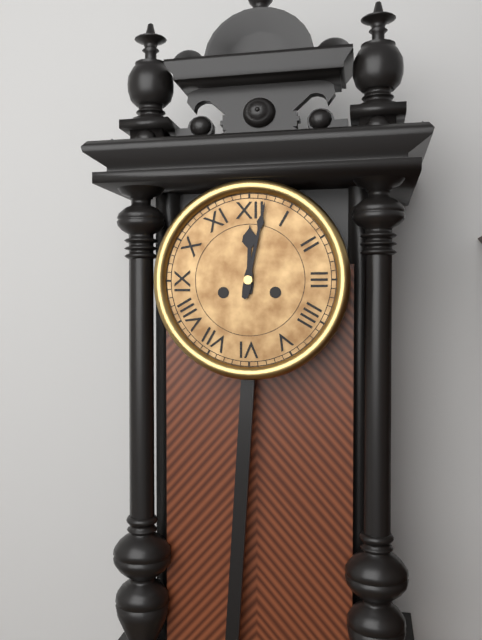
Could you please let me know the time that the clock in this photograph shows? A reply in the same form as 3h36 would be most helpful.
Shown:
12h02
